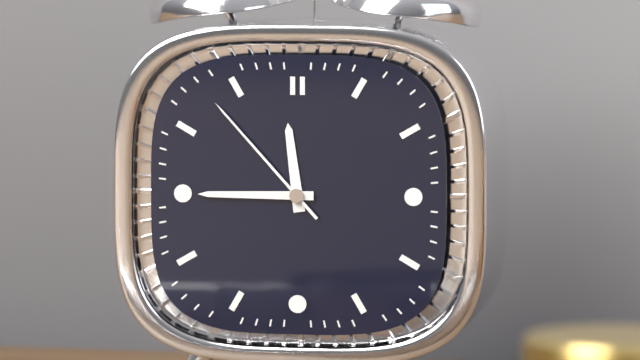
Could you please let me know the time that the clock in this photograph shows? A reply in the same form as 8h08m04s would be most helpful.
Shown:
11h45m53s
